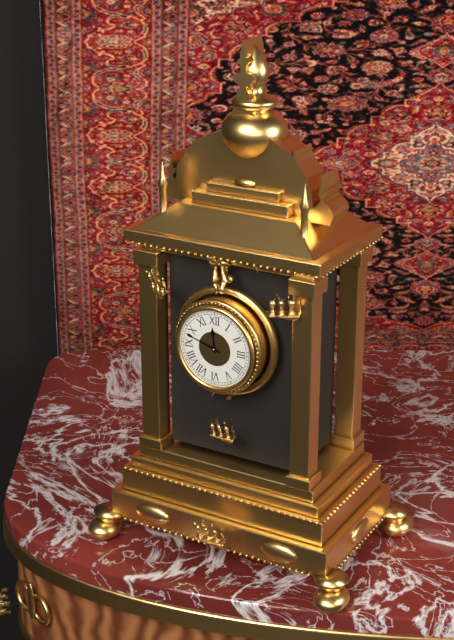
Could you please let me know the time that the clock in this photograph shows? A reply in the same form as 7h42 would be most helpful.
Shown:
11h48
